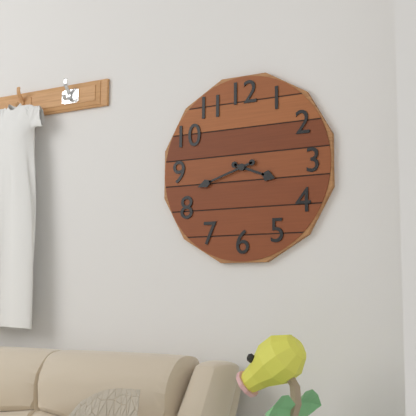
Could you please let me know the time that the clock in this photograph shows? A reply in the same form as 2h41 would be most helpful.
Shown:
3h42
